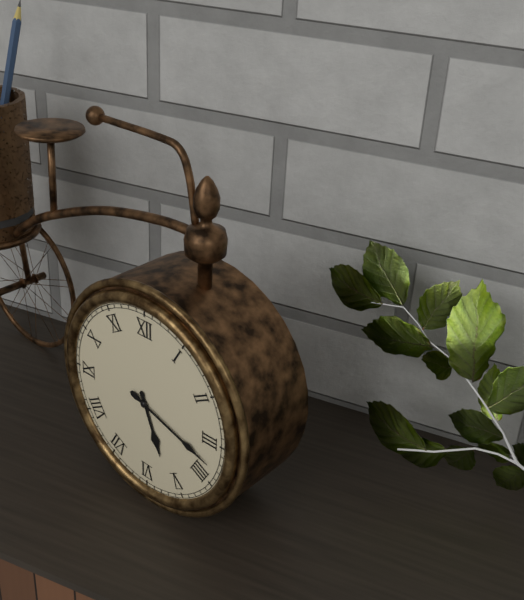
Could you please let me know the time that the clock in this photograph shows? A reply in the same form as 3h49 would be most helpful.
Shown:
5h18
